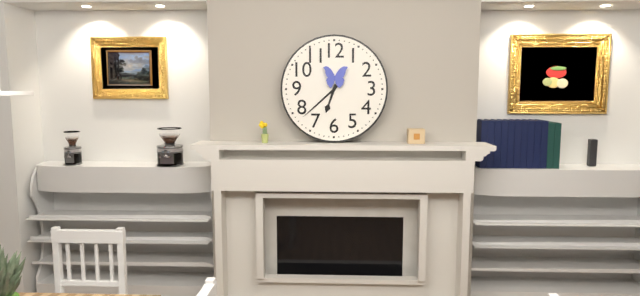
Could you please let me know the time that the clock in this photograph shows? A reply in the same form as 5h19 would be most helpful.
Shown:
6h38
